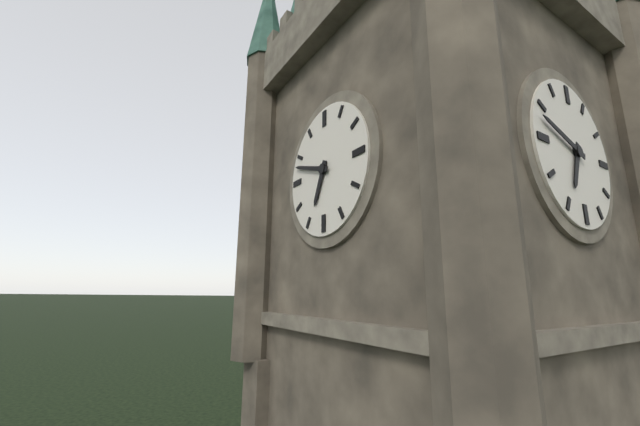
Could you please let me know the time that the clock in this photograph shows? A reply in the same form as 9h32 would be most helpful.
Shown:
6h48
